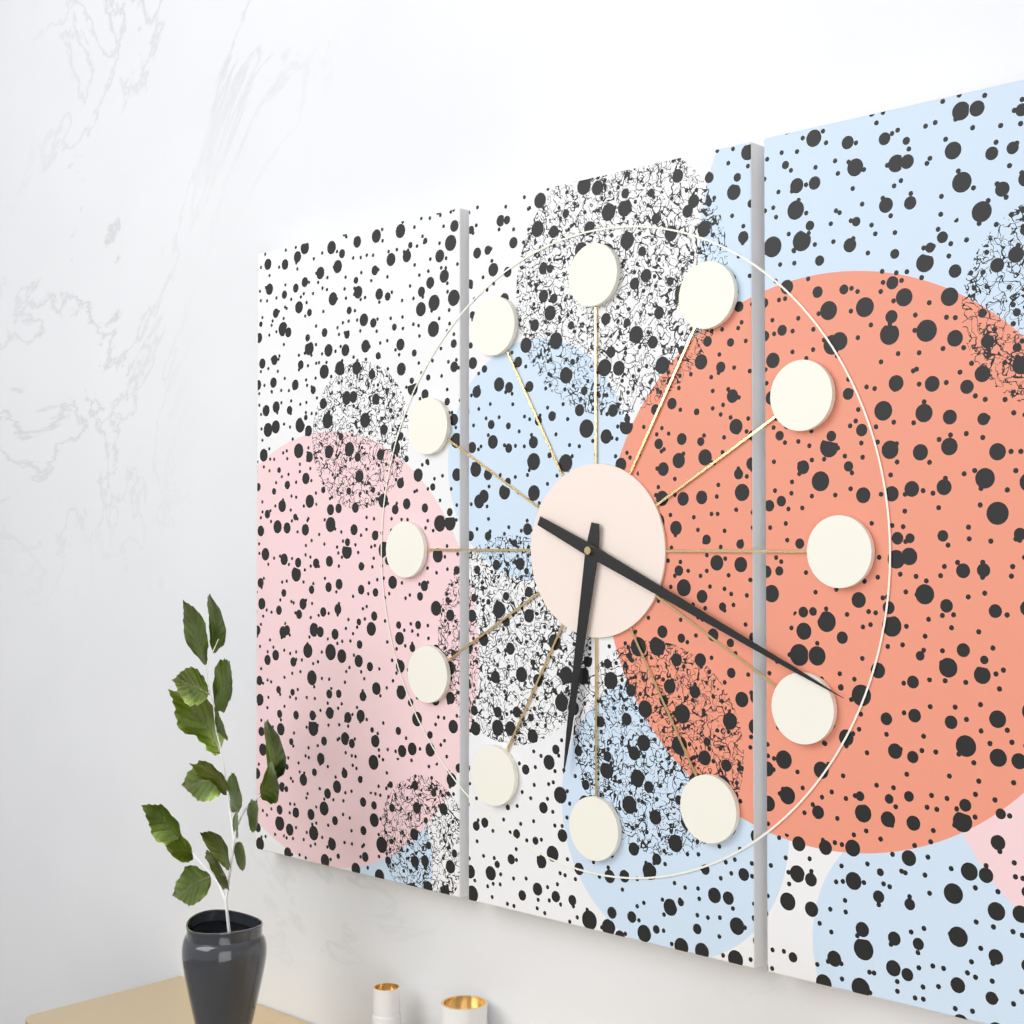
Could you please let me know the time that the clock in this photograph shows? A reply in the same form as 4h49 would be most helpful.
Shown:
6h19
